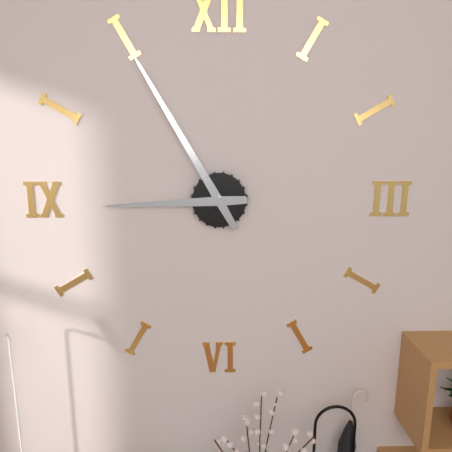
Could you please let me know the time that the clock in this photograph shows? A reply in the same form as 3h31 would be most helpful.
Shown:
8h55
